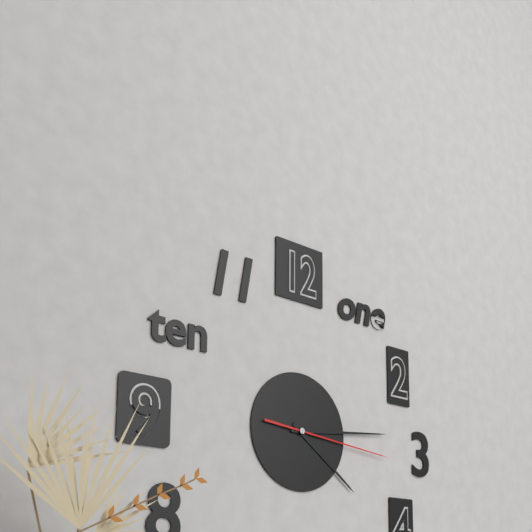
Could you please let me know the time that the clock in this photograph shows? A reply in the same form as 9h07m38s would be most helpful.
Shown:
4h14m16s
